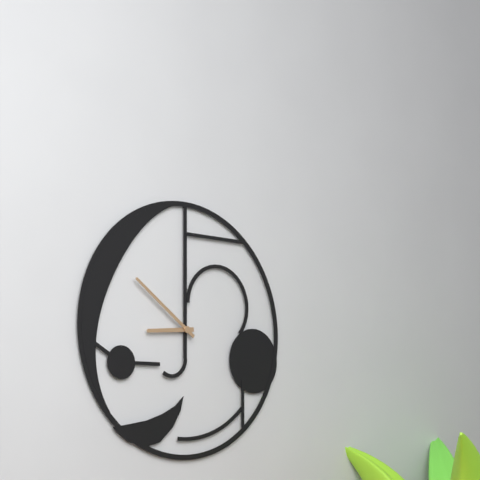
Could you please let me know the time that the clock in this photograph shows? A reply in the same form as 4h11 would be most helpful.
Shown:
8h51
